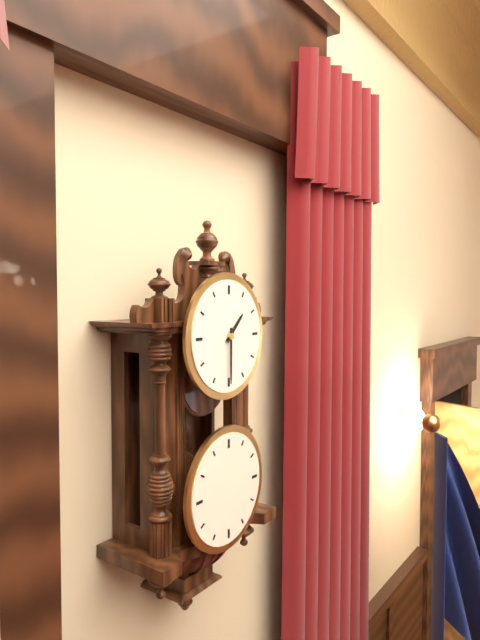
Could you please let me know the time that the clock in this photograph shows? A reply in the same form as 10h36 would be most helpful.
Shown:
1h30
